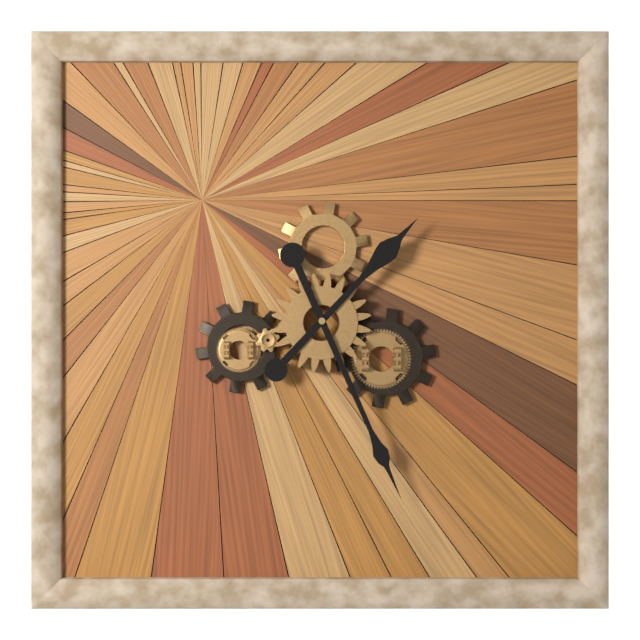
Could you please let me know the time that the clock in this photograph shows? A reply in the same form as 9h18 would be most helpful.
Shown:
1h26
